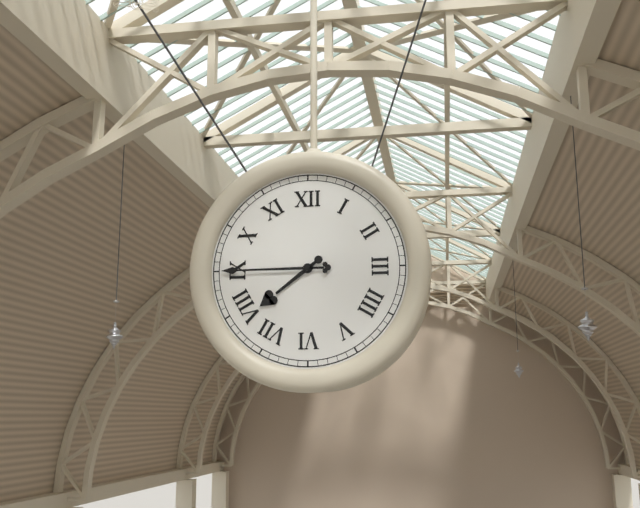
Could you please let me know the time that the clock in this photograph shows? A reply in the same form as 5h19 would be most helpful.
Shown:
7h45
